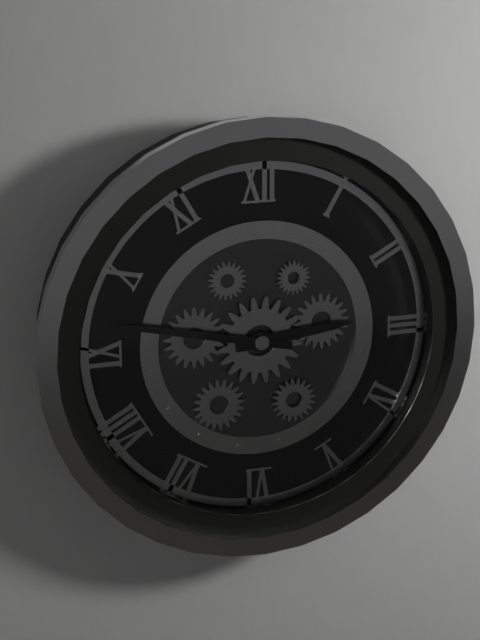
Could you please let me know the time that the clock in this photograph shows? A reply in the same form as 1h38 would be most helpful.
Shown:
2h47
